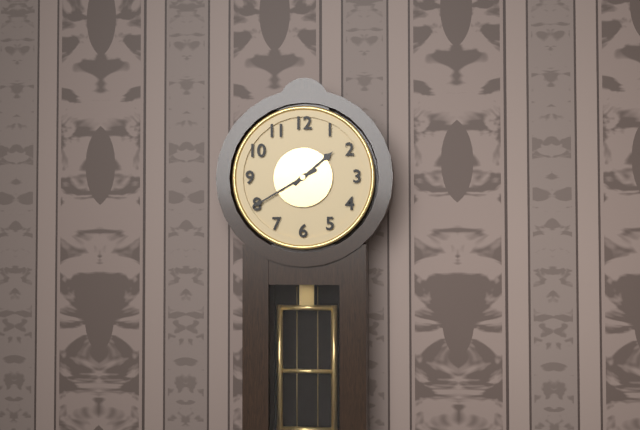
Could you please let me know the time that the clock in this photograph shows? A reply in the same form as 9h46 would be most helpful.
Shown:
1h40
